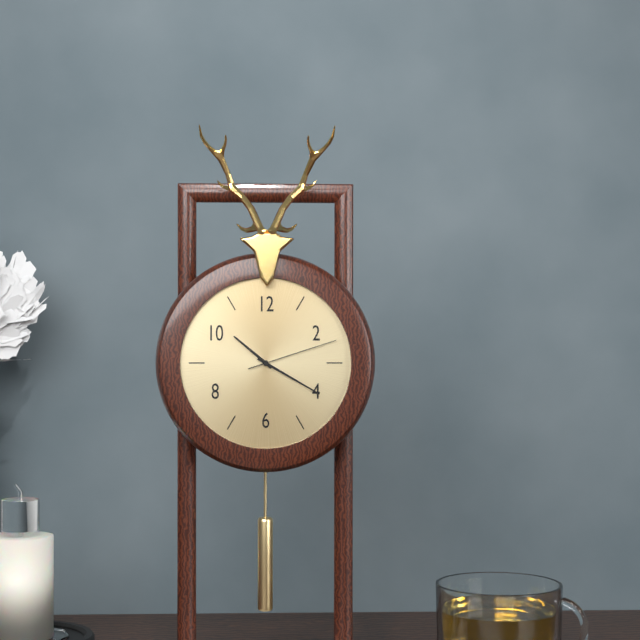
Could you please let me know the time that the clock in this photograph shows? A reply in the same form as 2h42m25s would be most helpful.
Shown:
10h20m12s
